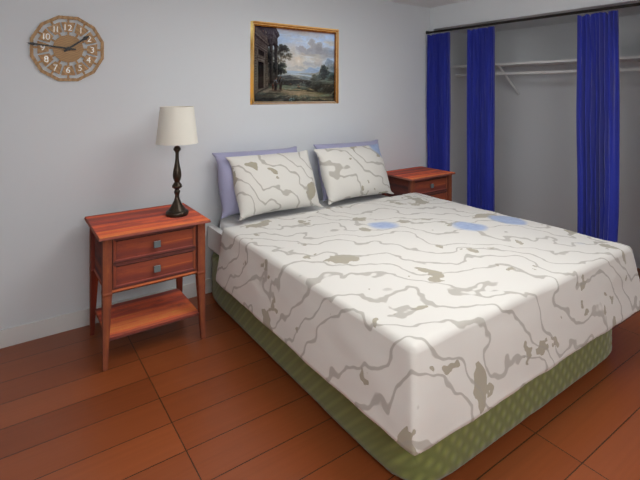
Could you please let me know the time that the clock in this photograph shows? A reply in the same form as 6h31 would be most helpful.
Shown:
1h46
